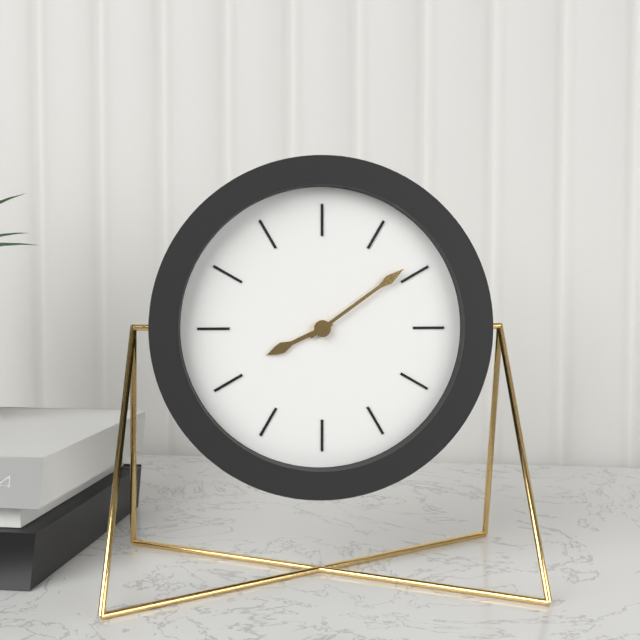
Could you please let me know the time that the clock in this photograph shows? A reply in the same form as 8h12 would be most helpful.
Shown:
8h09
